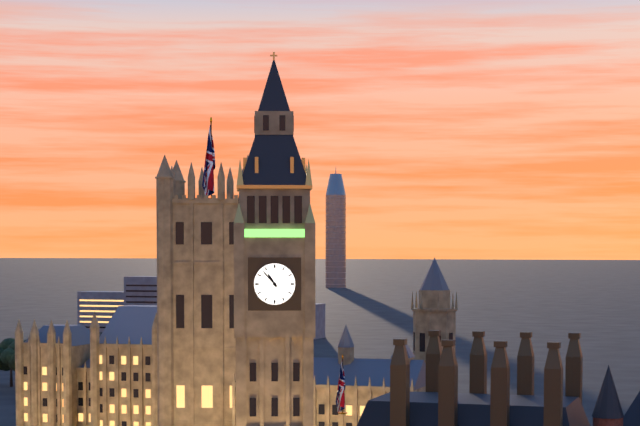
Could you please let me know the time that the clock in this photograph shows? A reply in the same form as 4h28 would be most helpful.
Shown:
10h53
